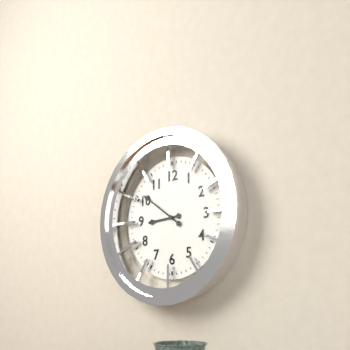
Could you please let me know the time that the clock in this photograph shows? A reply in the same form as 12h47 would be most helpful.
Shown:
8h51
